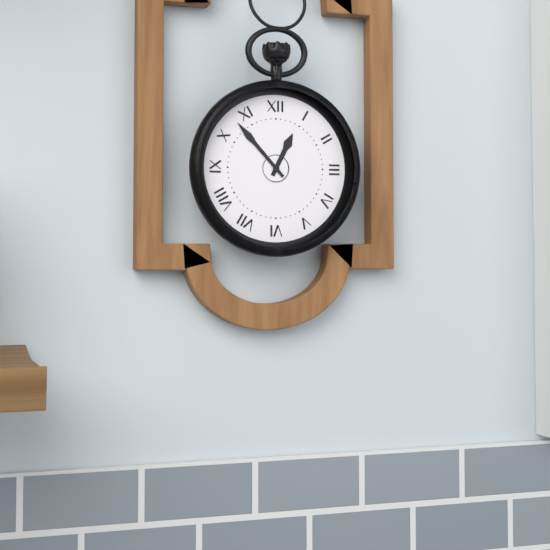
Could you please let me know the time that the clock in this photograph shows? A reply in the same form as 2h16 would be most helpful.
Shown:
12h53
